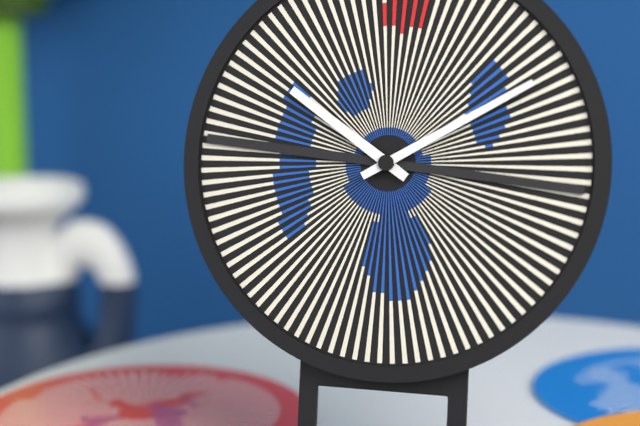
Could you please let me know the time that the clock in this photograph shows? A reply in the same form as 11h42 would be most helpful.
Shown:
10h10
